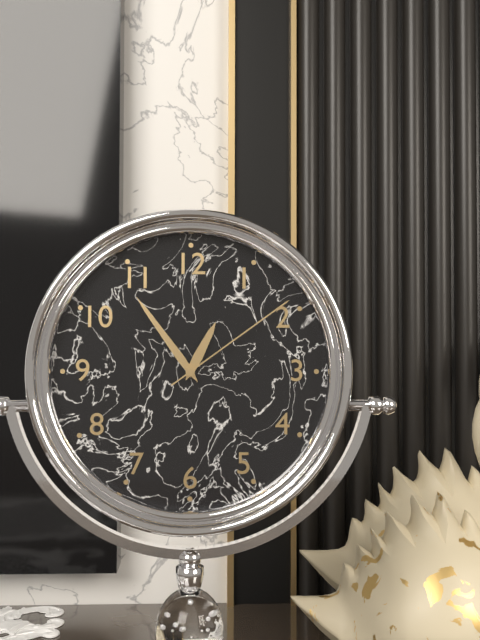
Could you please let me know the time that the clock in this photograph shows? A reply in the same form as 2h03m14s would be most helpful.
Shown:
12h54m09s
